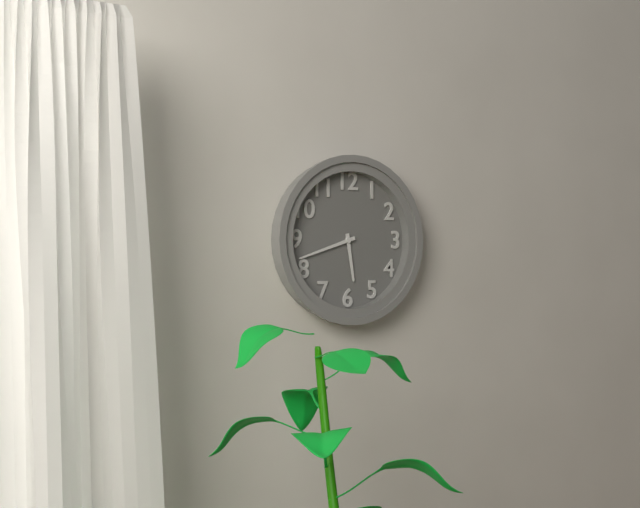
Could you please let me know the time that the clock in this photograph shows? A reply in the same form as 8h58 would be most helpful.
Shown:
5h42
